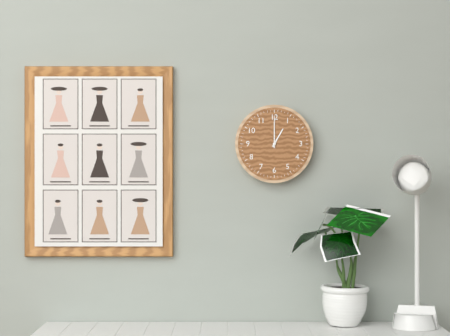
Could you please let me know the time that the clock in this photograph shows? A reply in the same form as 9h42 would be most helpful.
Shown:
1h00
